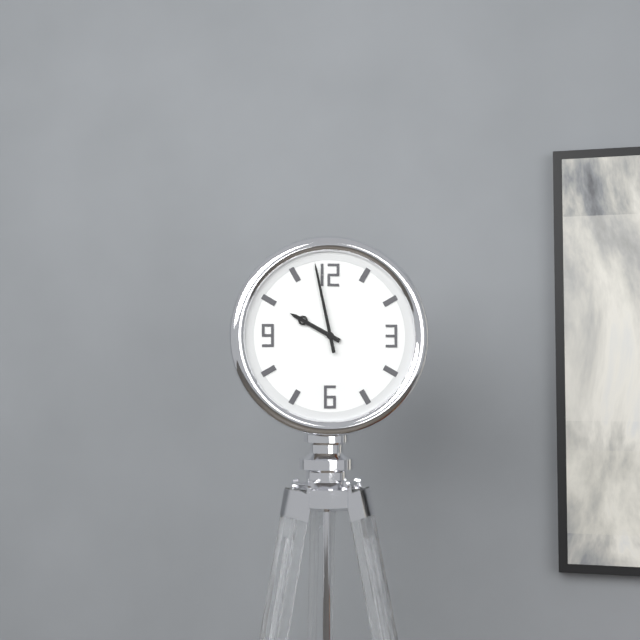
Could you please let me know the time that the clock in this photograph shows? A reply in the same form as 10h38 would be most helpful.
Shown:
9h58
